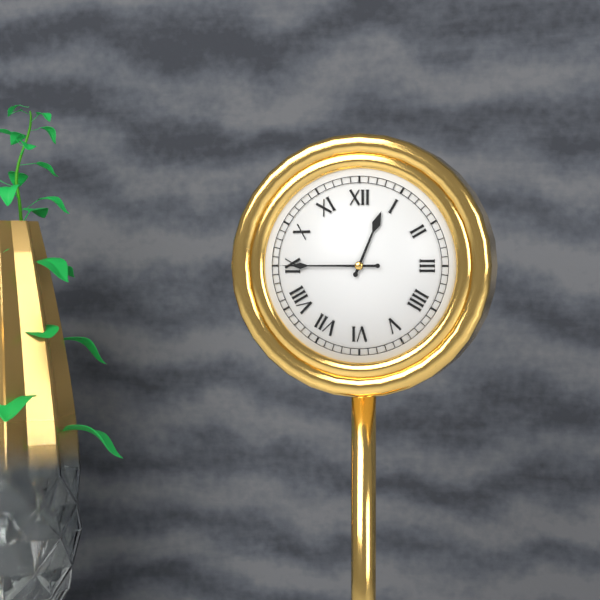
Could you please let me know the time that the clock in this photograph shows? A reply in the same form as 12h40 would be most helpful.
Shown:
12h45
